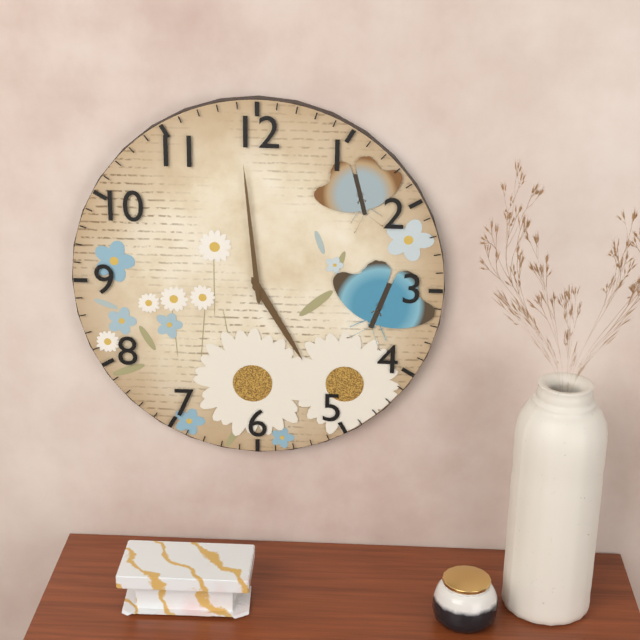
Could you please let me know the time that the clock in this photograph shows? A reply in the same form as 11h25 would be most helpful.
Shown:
4h59
